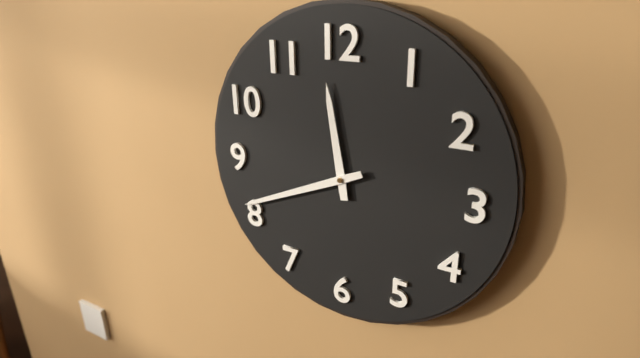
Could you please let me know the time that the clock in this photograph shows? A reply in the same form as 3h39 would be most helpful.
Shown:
11h41
